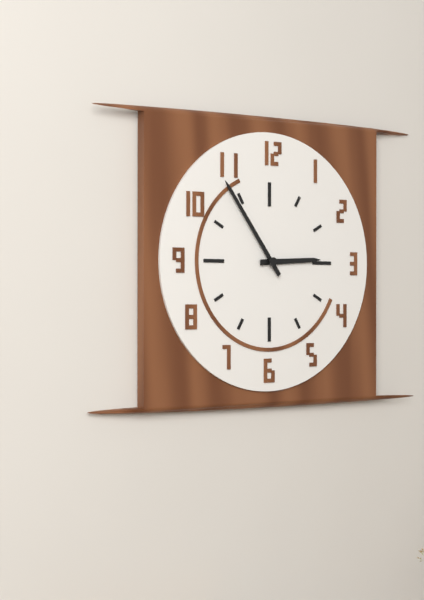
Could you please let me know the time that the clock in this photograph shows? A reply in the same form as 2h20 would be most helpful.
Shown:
2h54
